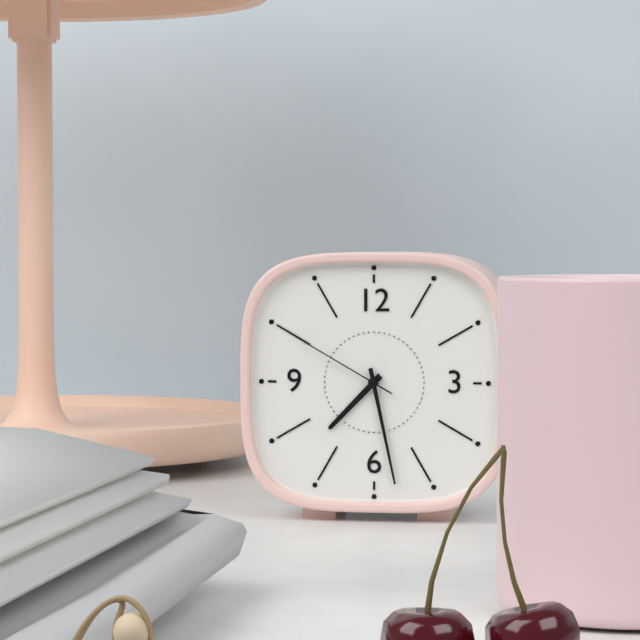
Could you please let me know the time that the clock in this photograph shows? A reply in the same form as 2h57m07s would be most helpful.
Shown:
7h28m50s
